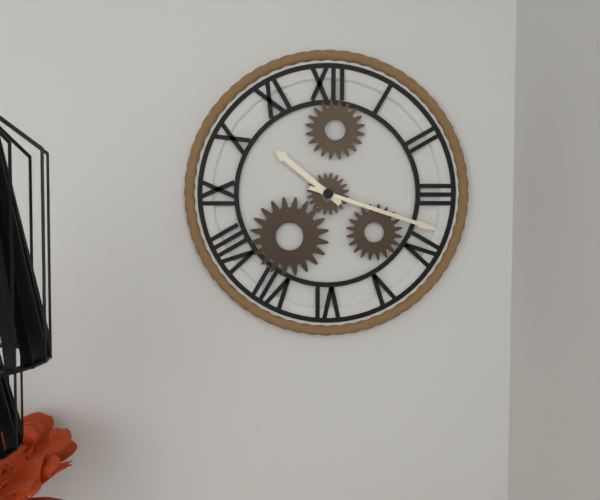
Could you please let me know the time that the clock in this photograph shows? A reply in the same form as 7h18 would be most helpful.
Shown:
10h18
